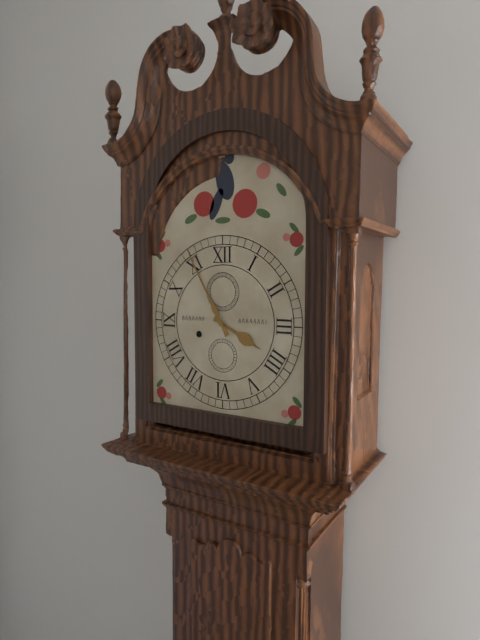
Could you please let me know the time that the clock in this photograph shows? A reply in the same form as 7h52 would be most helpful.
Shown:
3h55
